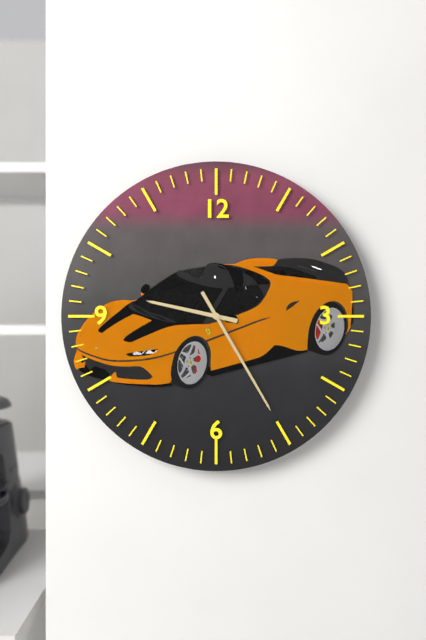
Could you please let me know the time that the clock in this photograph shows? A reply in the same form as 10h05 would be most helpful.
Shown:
9h25
